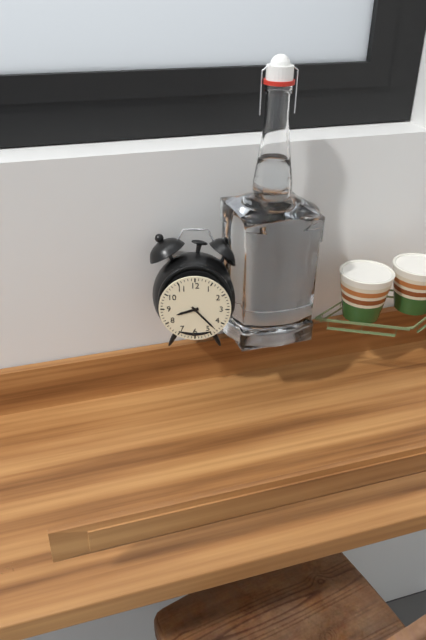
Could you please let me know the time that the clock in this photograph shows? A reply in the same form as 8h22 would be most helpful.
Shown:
8h23
